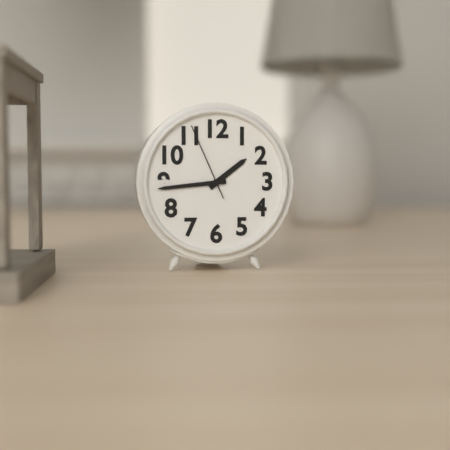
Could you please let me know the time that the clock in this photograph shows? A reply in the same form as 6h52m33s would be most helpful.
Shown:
1h44m56s
